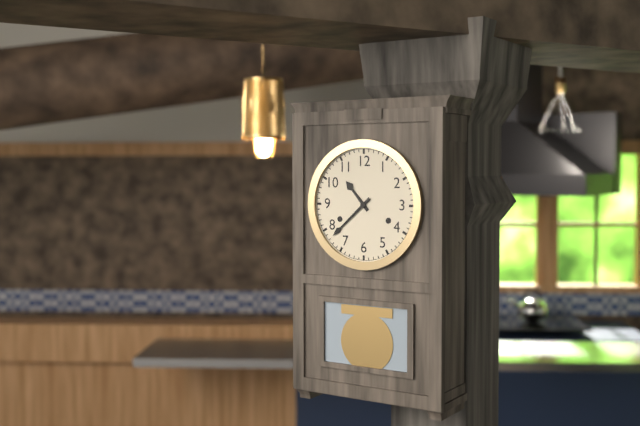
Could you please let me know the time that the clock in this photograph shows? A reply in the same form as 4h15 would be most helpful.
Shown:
10h38
